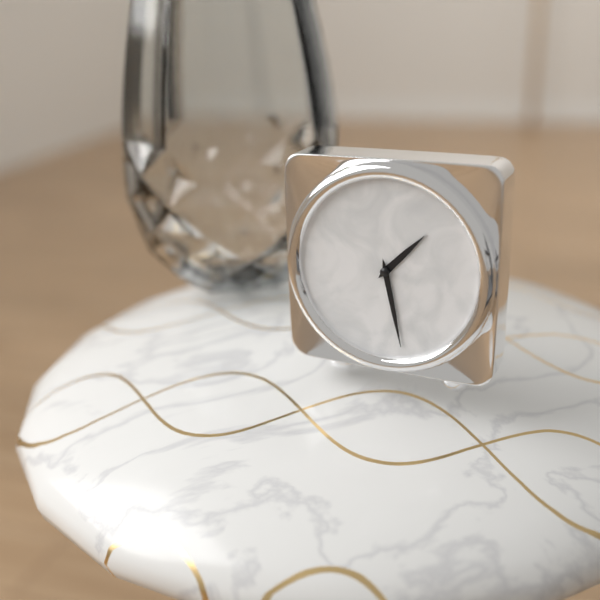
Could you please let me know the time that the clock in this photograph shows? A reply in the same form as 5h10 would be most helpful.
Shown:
1h28
